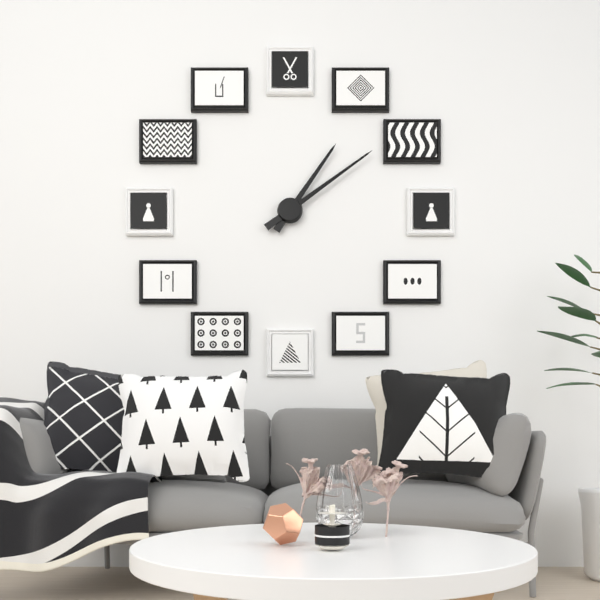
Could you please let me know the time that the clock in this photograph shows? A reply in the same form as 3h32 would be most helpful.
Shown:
1h09
